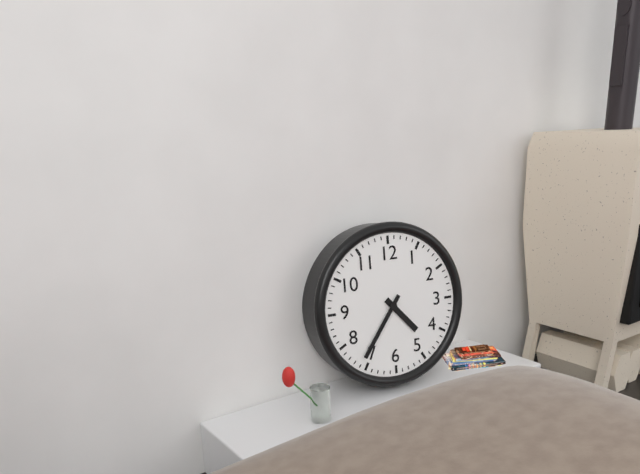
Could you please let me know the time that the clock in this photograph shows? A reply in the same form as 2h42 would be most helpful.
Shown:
4h36
